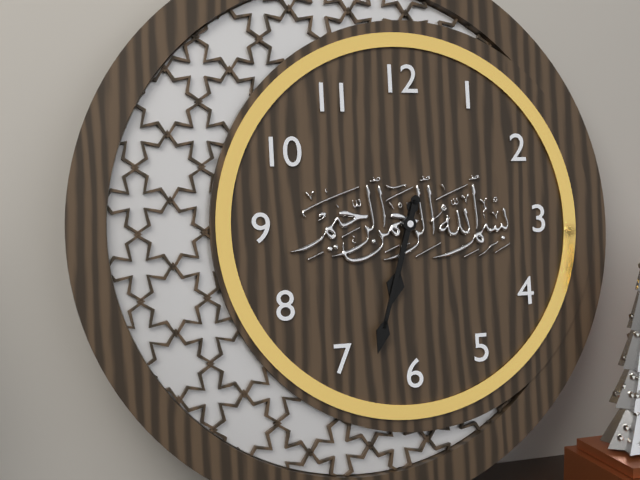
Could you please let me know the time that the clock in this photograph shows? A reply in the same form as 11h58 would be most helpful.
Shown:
6h33
